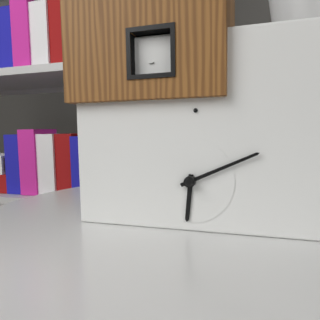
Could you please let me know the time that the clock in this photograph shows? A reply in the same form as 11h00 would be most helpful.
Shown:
6h11
